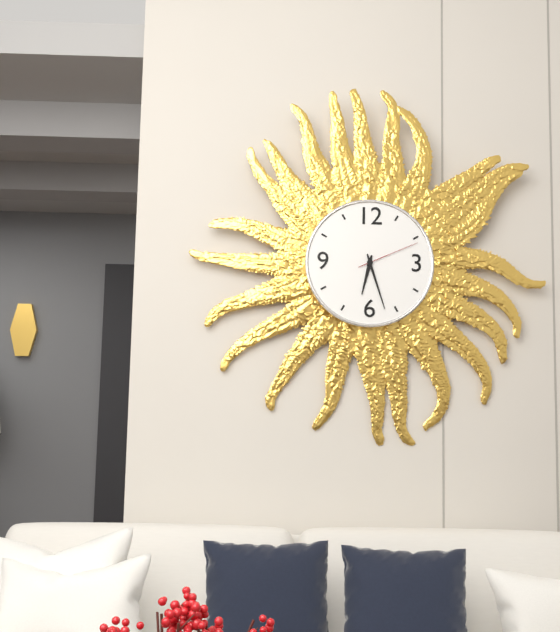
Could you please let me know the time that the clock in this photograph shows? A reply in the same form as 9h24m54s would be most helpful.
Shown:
6h27m11s
